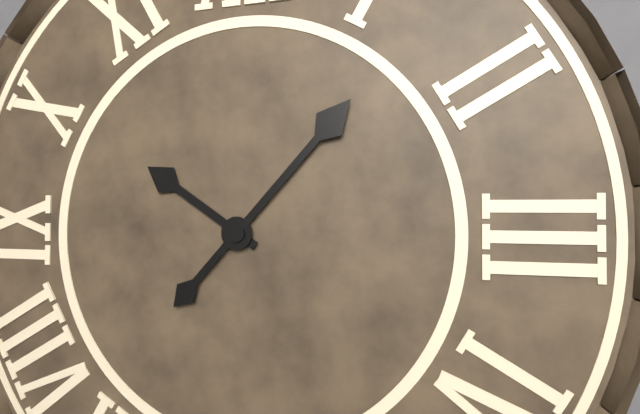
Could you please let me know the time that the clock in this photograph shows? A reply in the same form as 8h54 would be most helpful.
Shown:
10h07
